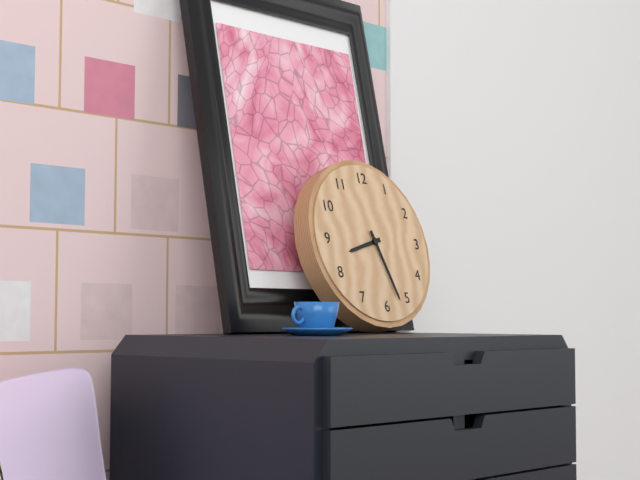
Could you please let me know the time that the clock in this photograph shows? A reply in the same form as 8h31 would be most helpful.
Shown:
8h27
